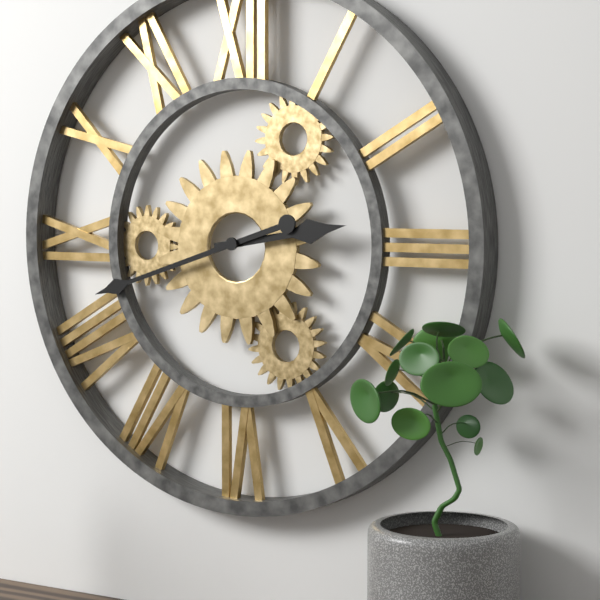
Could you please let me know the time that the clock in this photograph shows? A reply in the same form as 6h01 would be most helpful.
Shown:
2h42
